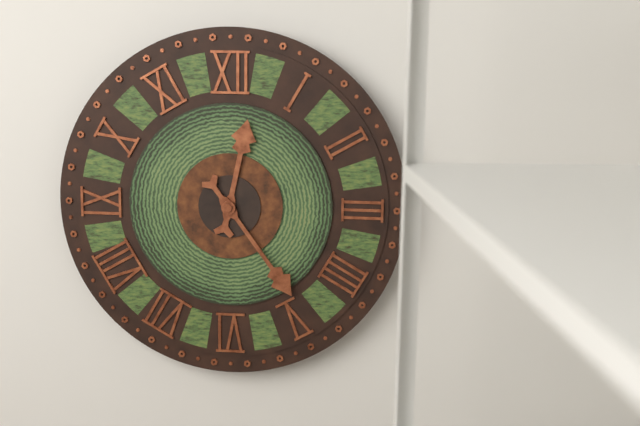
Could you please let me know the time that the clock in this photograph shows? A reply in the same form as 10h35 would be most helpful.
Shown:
12h24
